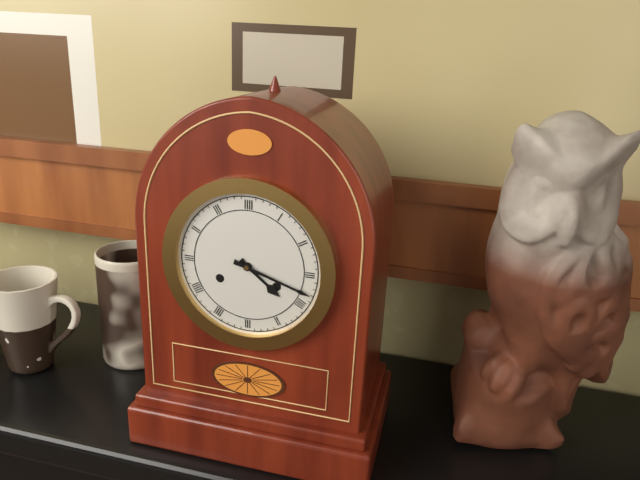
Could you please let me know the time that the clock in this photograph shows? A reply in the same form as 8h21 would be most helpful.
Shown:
4h18
